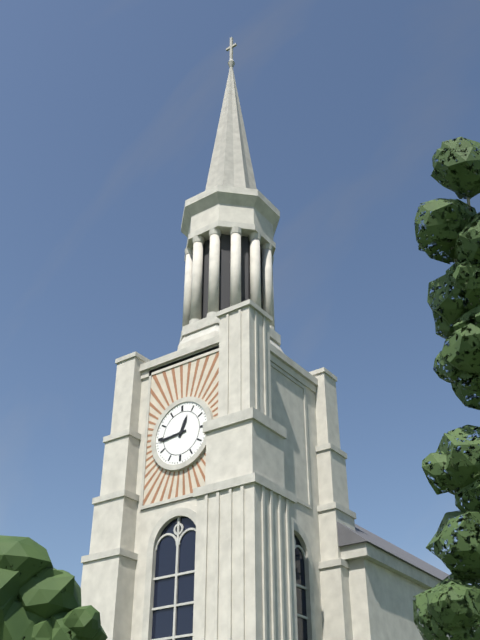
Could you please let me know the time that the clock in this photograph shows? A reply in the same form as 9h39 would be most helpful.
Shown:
12h44
